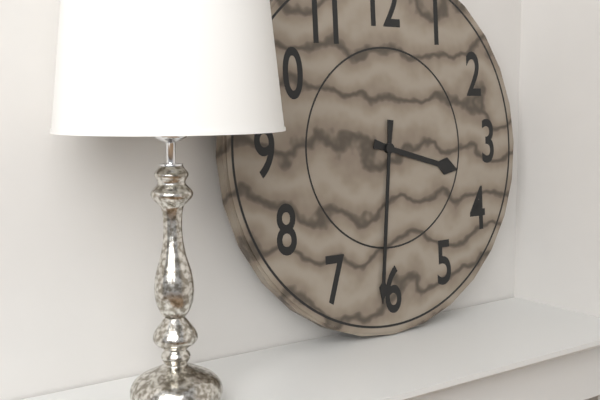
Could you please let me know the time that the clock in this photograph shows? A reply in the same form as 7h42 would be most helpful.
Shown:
3h31
